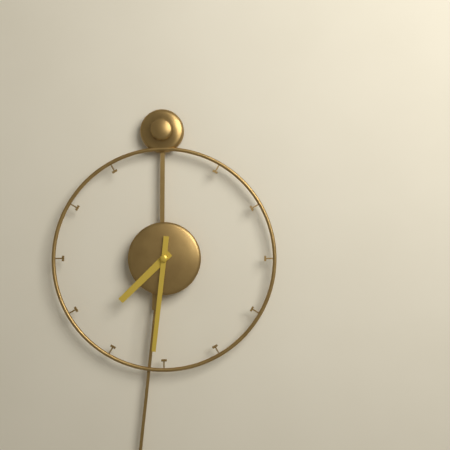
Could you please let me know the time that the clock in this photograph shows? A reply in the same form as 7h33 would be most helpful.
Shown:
7h31
